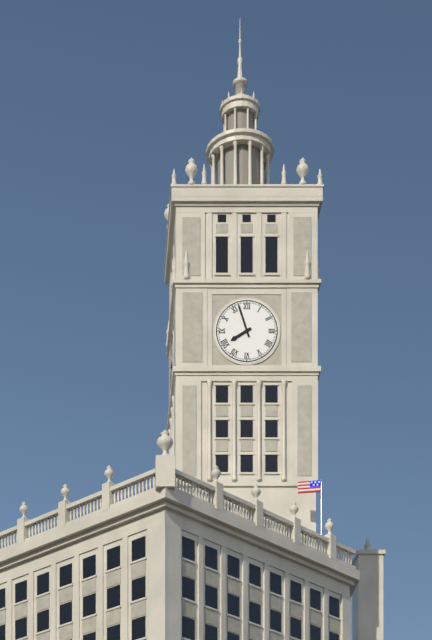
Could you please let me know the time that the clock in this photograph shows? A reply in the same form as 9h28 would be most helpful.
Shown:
7h57
